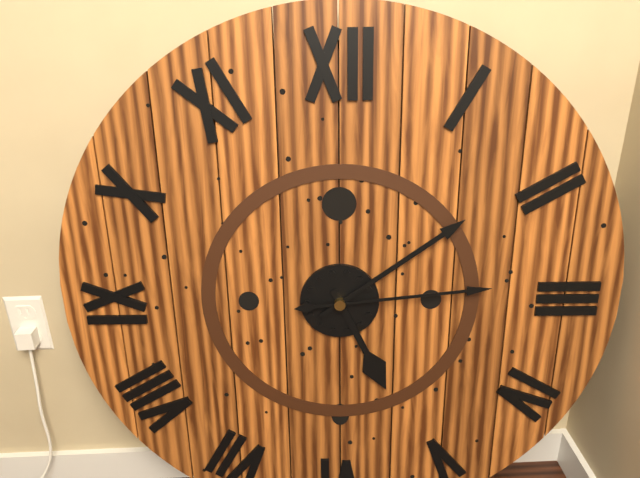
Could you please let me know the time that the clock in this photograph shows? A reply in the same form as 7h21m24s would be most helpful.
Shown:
5h09m14s
